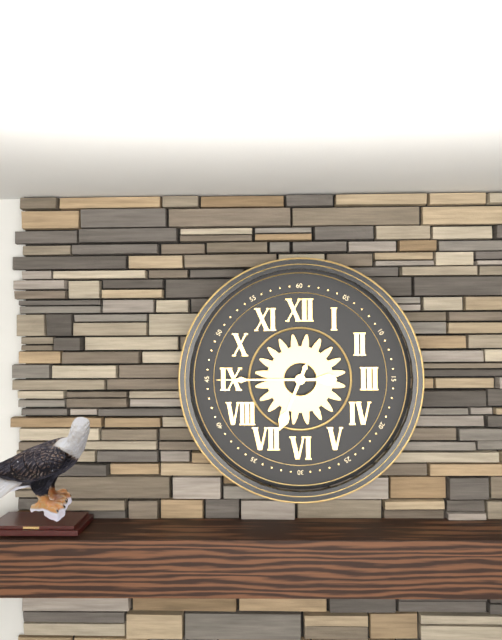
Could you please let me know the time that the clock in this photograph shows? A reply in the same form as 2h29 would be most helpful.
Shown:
6h45
